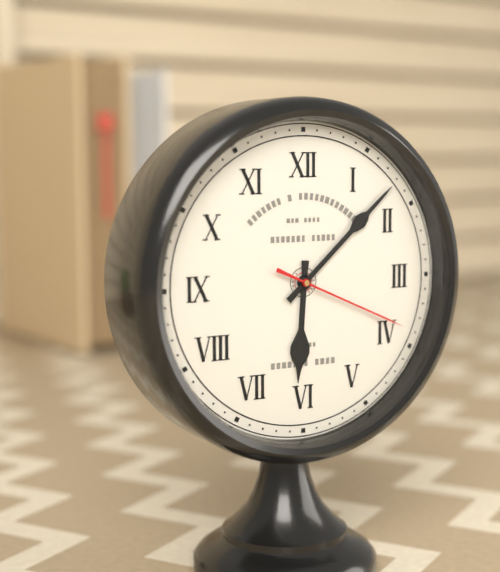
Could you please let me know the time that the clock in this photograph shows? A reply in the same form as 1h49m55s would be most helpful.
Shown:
6h08m19s
